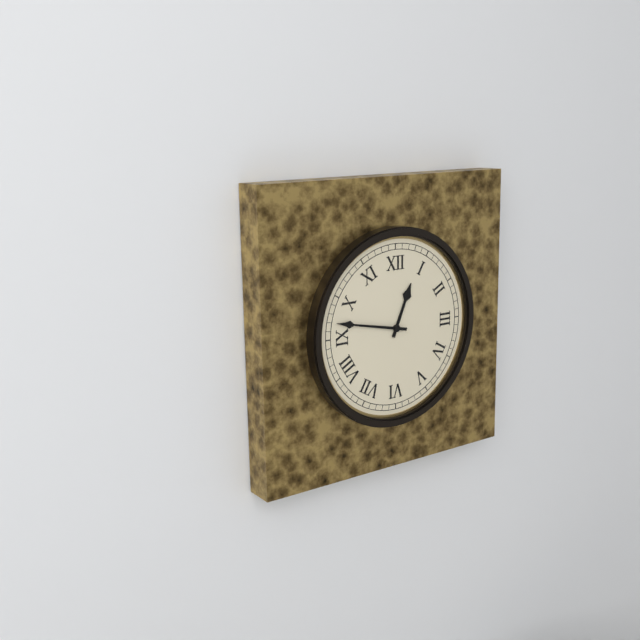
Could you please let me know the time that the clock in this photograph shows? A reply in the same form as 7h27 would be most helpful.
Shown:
12h47
